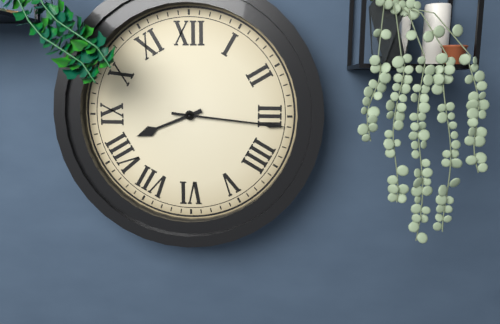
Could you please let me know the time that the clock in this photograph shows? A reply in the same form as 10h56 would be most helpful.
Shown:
8h16
